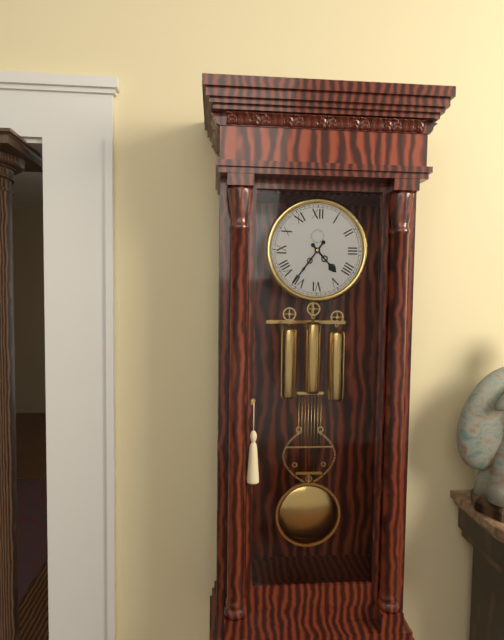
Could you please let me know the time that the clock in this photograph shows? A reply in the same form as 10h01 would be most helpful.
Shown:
4h36
